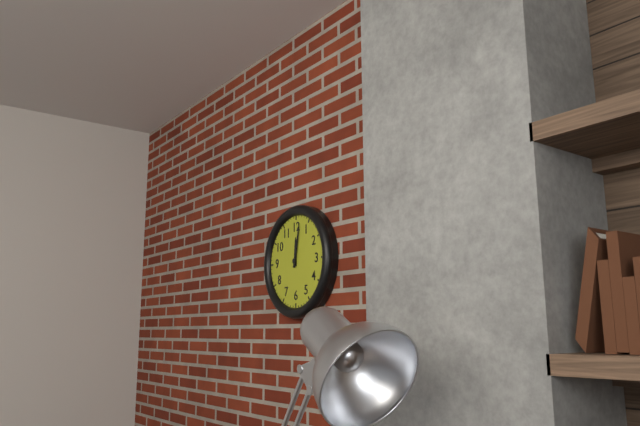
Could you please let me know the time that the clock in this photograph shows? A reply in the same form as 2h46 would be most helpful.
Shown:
12h02
